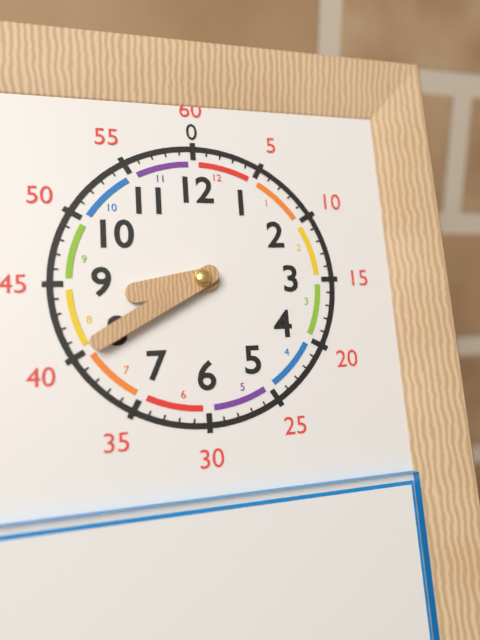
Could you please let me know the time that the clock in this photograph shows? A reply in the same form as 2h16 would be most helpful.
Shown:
8h40
